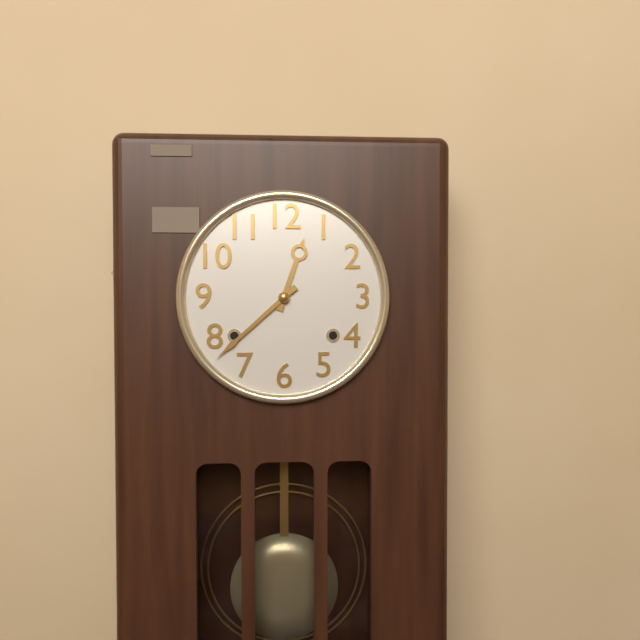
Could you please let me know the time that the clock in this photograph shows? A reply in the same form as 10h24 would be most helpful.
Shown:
12h38
